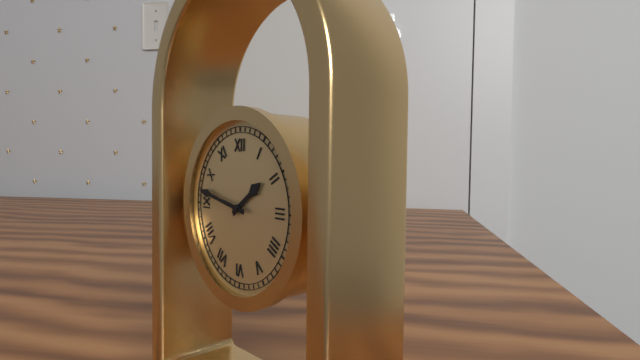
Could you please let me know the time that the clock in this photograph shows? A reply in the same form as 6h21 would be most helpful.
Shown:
1h47
